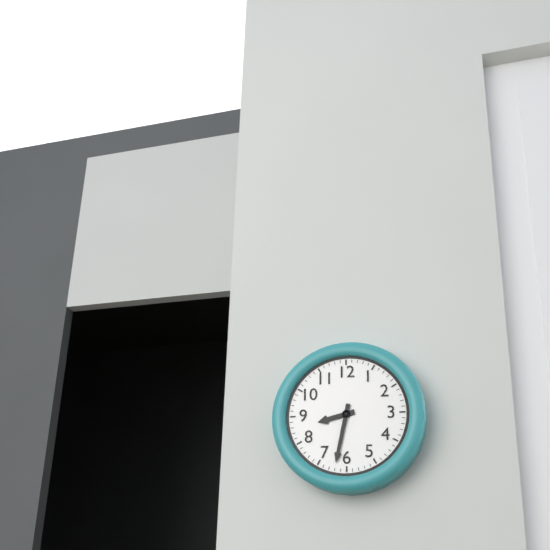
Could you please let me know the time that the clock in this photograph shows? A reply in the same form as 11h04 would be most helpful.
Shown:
8h32
